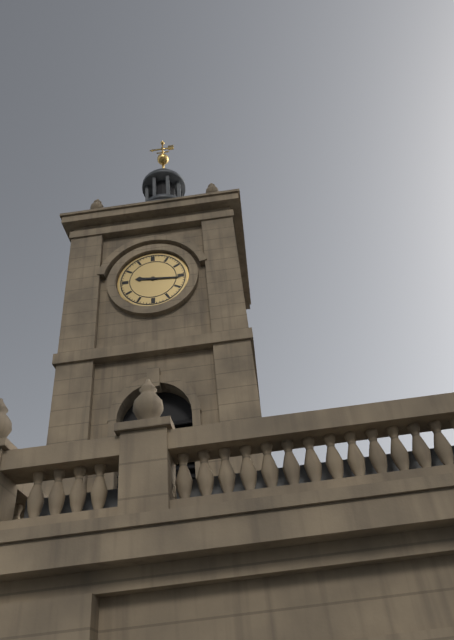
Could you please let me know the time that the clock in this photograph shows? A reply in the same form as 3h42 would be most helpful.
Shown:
9h16
